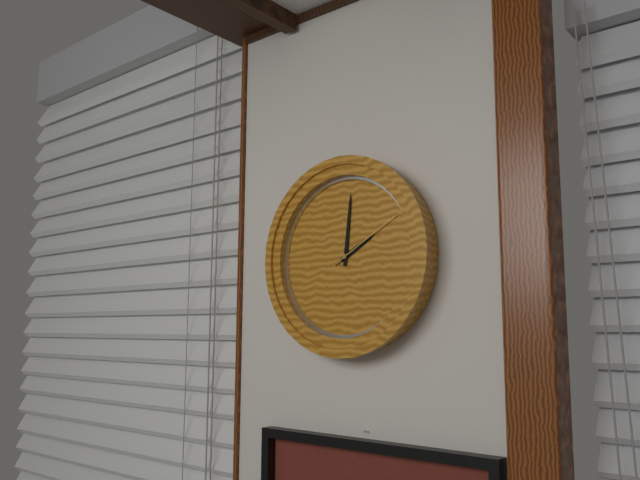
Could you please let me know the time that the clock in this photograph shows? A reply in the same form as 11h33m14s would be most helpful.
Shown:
2h01m10s
